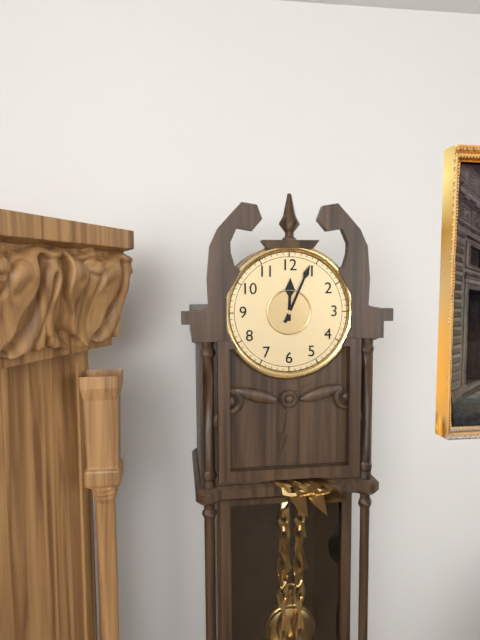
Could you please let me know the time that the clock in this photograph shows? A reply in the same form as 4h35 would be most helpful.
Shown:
12h04
